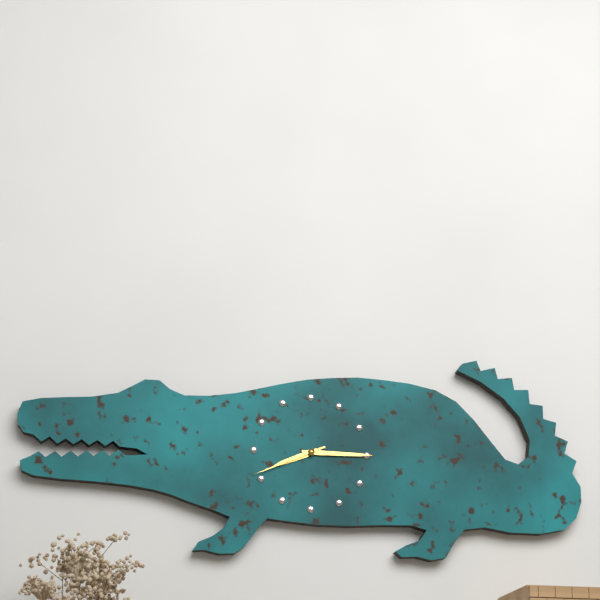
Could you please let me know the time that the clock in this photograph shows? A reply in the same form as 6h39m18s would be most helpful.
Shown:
8h15m41s
